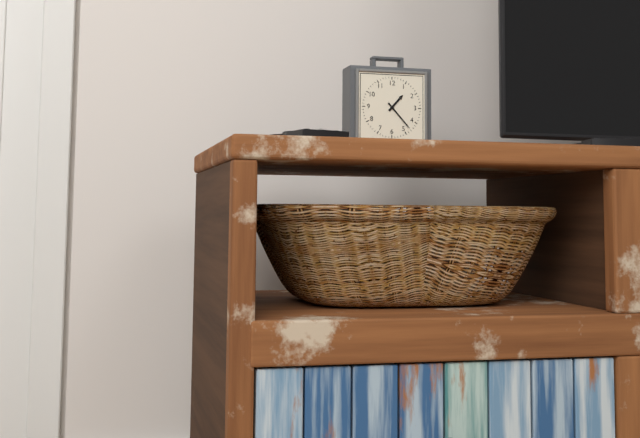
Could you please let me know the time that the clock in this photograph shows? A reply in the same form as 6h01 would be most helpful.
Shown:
1h23
